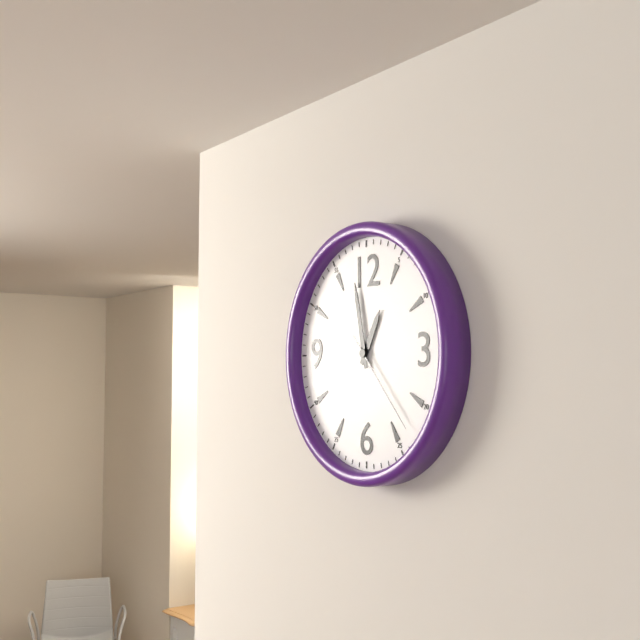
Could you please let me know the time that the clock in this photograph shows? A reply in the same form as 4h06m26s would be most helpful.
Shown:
12h58m23s
